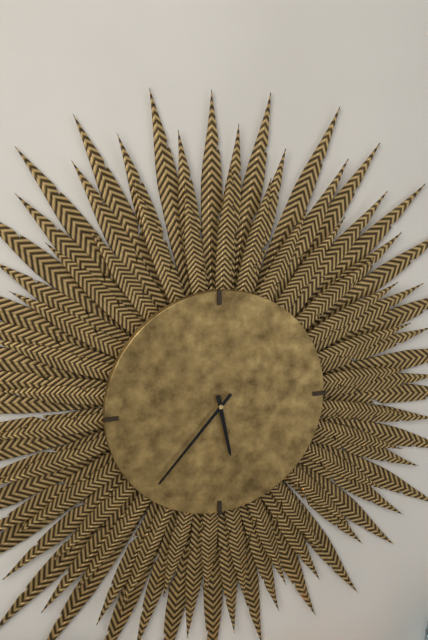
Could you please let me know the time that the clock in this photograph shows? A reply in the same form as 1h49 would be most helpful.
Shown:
5h37
